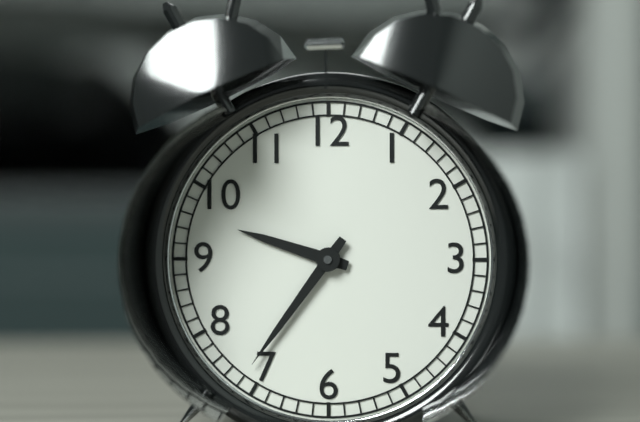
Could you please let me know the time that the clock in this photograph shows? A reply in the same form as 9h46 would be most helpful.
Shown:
9h36
